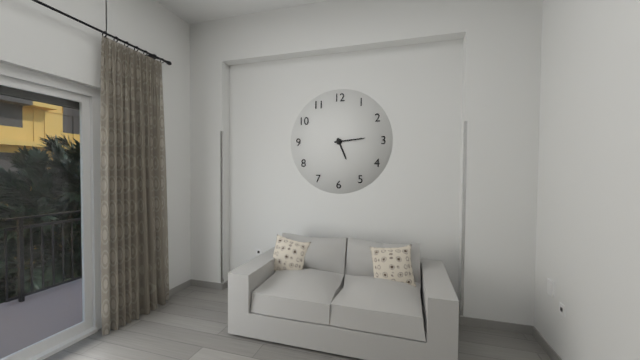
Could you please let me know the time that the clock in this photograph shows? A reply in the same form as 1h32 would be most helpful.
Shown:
5h14
